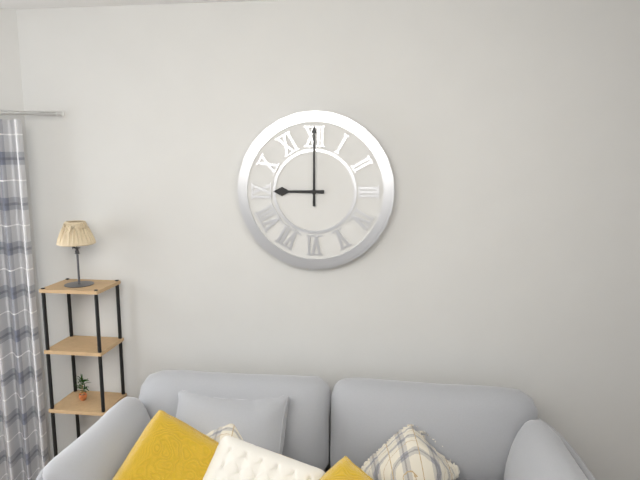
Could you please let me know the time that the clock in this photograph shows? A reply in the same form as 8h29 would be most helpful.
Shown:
9h00
